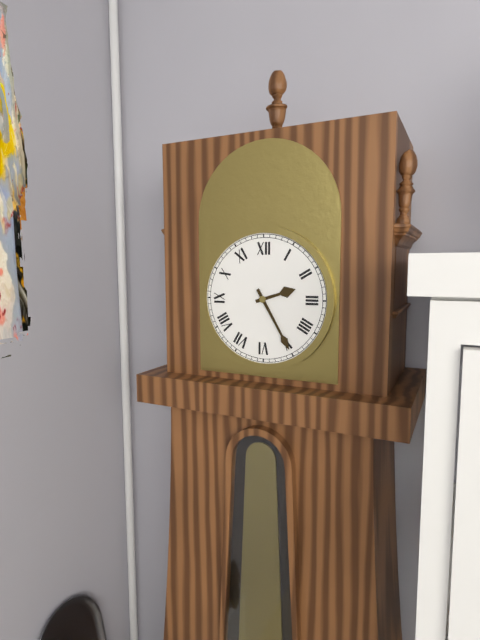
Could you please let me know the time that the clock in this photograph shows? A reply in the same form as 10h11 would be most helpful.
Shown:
2h25
